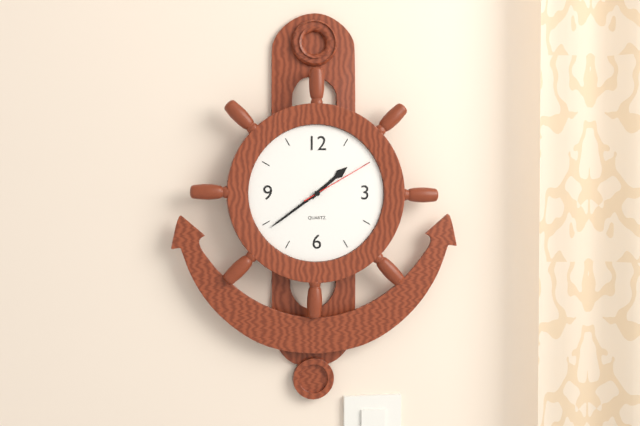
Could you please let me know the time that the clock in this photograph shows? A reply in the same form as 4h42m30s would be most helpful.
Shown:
1h39m10s
